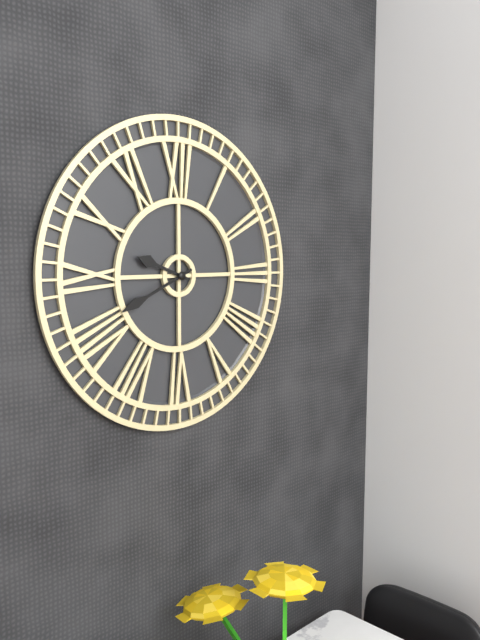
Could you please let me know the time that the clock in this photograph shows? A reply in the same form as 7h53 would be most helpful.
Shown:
9h41
